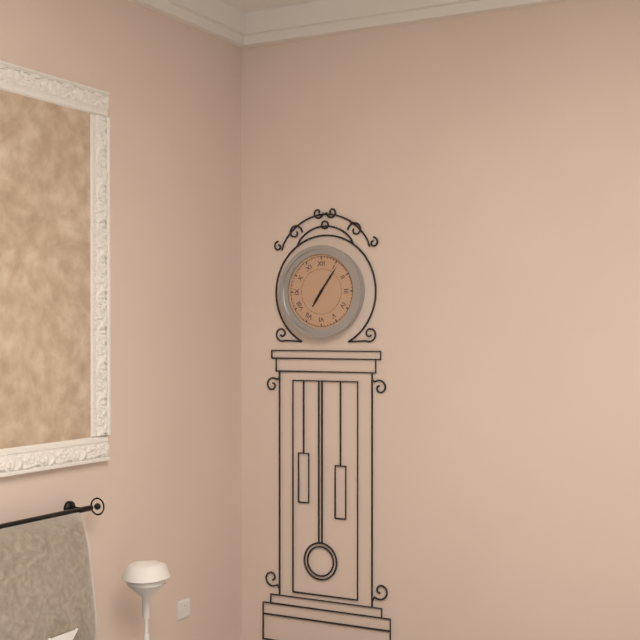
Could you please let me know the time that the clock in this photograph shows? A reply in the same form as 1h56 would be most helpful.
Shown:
7h06
